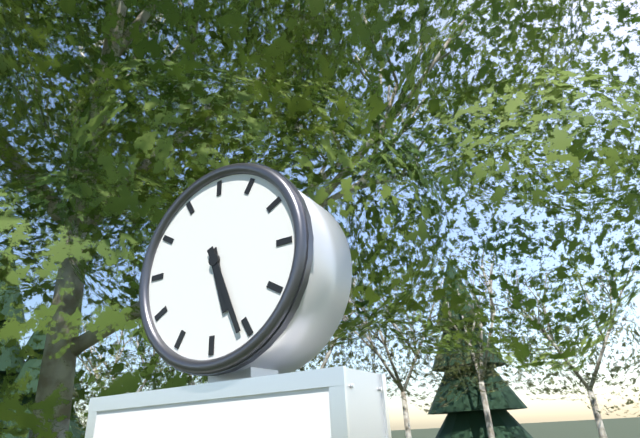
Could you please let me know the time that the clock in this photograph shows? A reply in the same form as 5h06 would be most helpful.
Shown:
5h26
